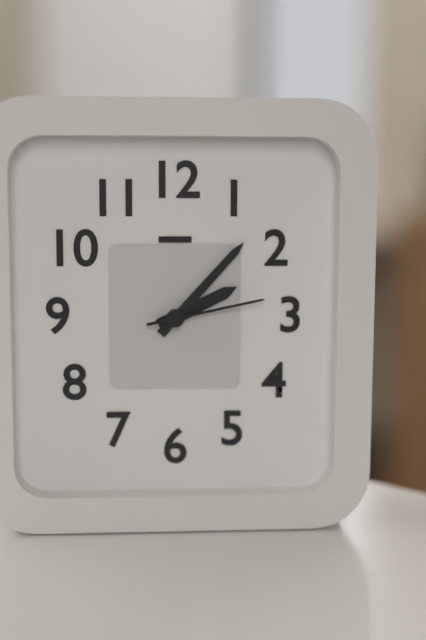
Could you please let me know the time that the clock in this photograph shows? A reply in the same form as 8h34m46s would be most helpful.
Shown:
2h07m13s
